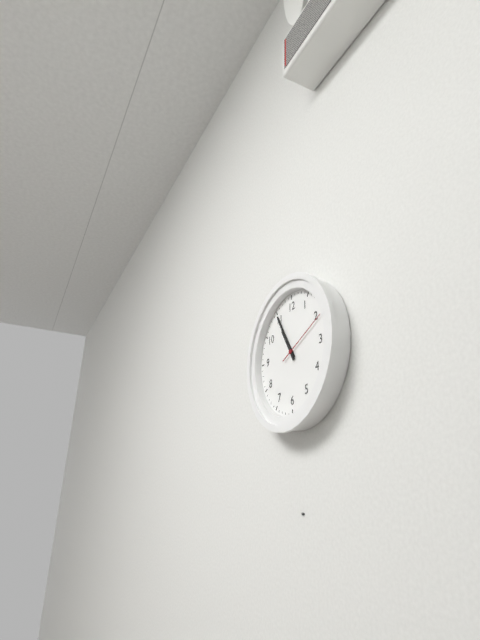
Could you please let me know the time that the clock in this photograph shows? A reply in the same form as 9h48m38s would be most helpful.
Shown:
10h55m11s
